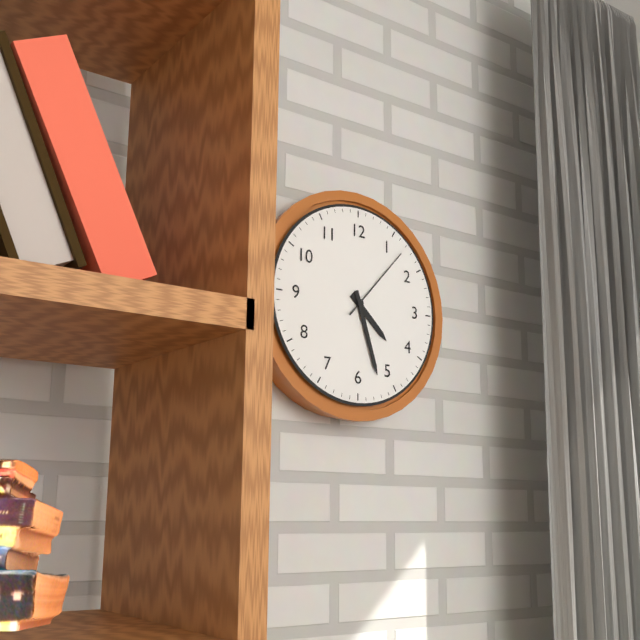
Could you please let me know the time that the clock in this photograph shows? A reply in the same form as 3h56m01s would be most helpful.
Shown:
4h27m07s
